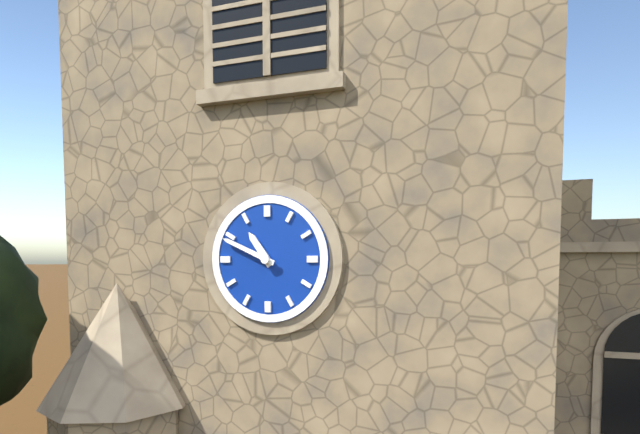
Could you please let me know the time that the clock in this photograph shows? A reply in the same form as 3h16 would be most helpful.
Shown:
10h49
